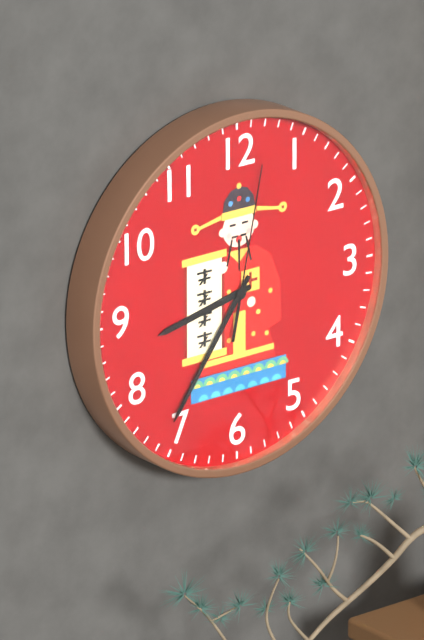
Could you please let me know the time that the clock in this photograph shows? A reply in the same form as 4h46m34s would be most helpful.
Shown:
8h36m02s
